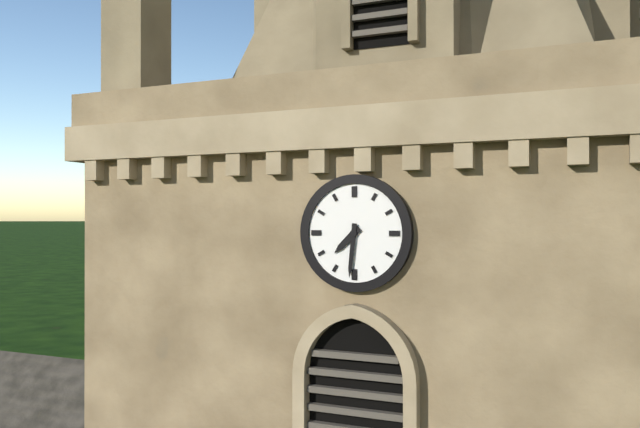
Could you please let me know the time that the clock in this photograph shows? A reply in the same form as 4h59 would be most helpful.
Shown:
7h31
